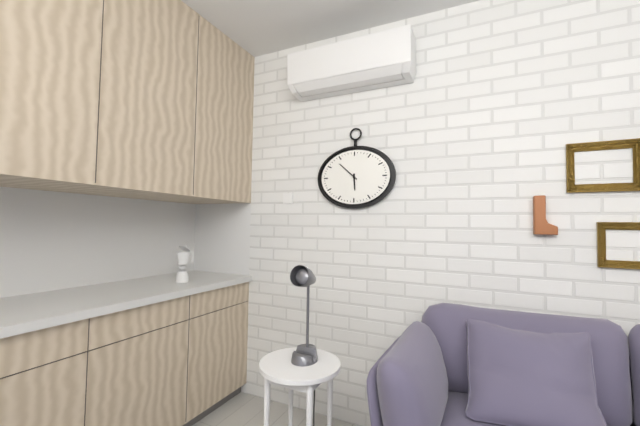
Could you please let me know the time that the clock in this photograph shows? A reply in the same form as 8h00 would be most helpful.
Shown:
5h52
